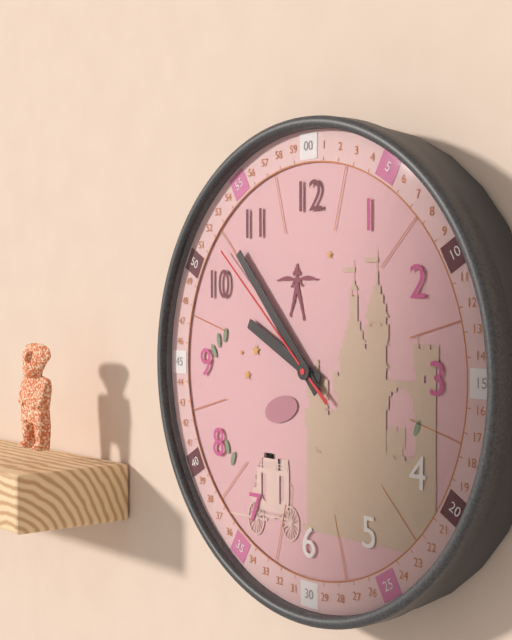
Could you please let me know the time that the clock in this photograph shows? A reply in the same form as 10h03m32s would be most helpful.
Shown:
9h53m52s
